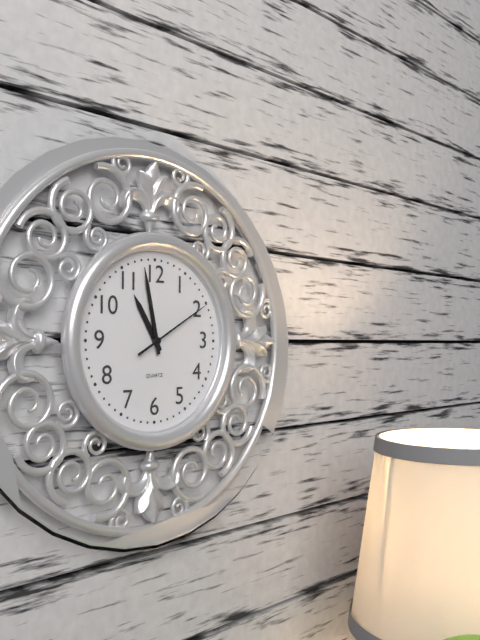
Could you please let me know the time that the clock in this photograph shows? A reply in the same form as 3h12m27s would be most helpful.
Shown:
10h58m10s
